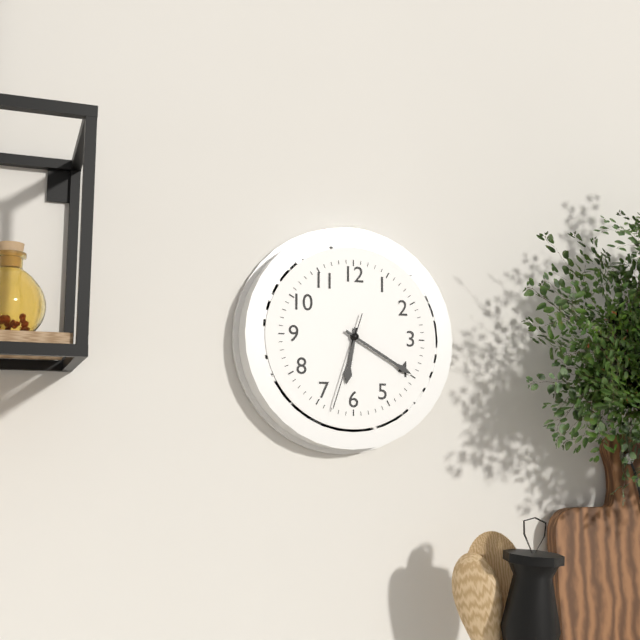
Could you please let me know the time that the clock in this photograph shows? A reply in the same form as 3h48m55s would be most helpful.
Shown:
6h20m33s
